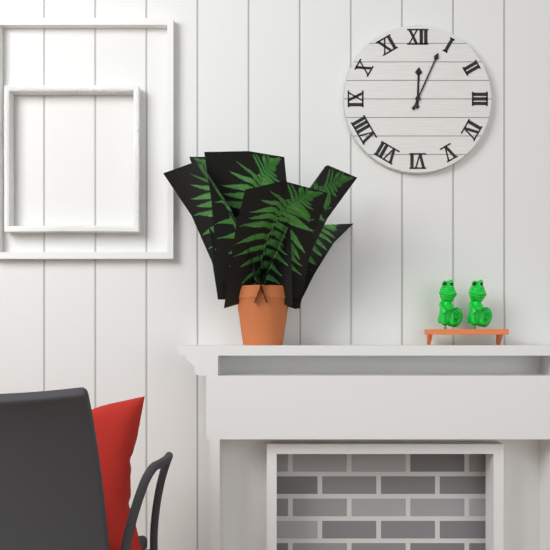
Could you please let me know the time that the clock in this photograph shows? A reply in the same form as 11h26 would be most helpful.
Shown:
12h04
